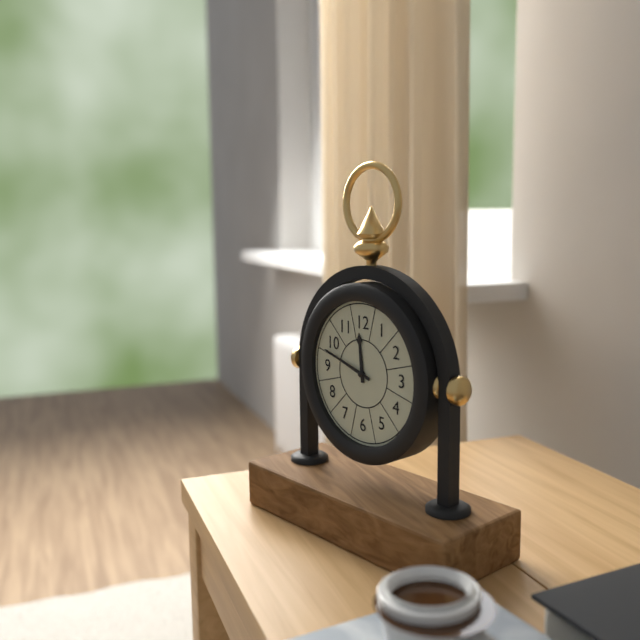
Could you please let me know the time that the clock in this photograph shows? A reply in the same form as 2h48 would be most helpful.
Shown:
11h48
